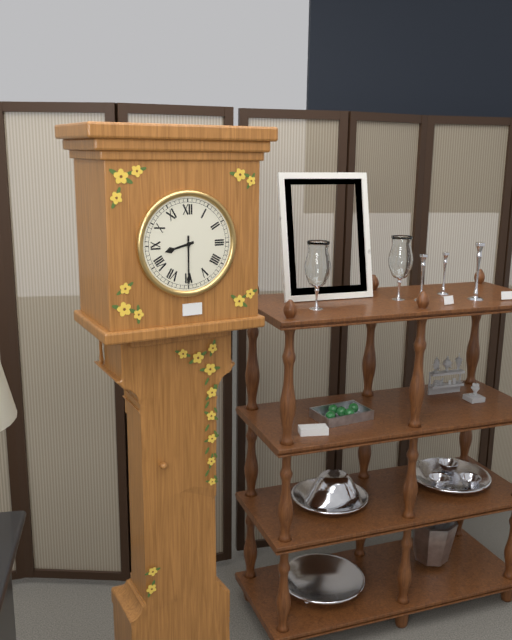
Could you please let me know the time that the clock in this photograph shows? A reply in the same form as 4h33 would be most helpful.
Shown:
8h30
